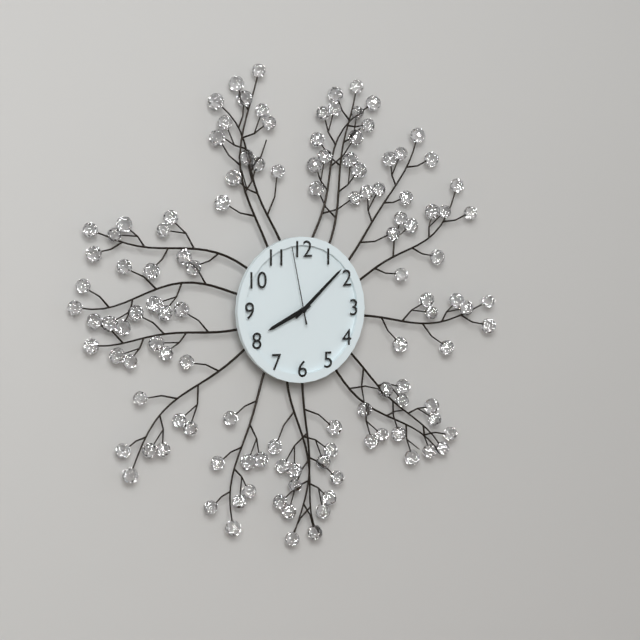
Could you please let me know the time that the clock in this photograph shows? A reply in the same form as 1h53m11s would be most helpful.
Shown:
8h08m58s
